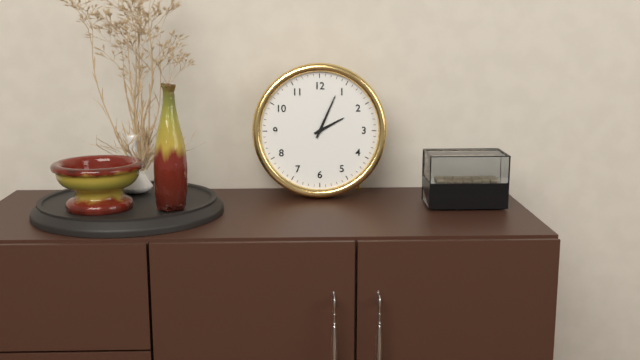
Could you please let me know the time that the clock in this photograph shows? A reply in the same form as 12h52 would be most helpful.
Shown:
2h04
